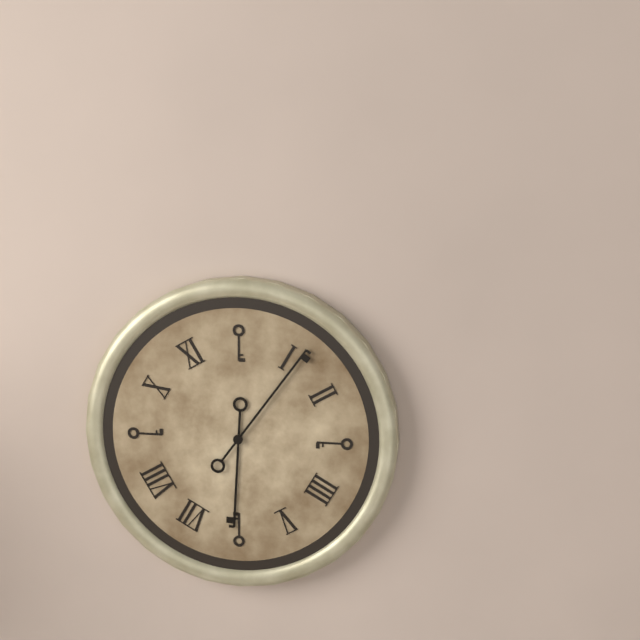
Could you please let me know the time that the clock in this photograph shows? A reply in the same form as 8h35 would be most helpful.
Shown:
6h06
